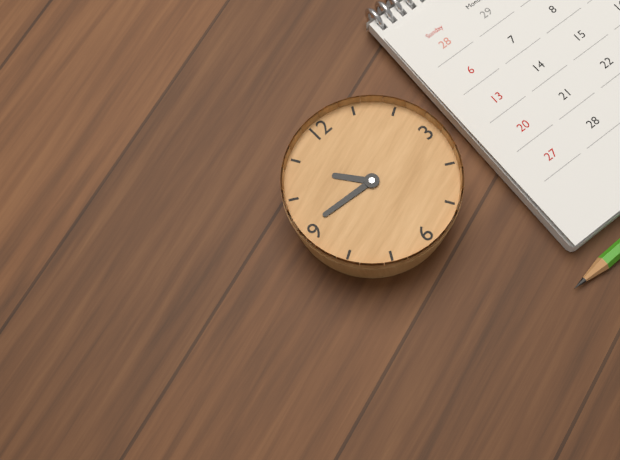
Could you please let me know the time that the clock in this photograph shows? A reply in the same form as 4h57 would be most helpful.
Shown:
10h46
